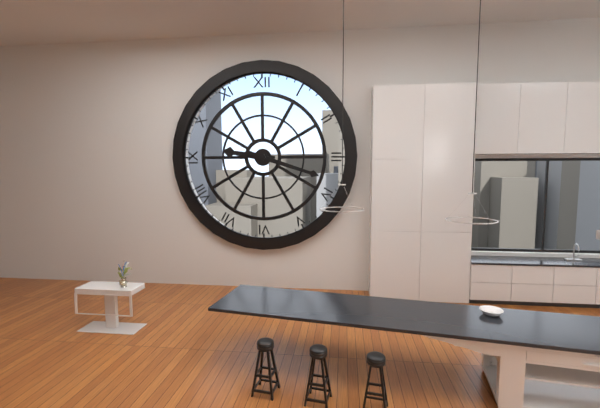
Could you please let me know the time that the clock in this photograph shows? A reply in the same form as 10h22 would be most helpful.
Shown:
9h18
